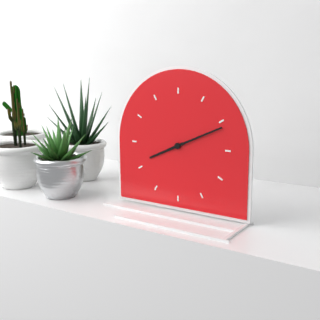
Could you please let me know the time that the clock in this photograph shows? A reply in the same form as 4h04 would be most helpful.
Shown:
8h11
